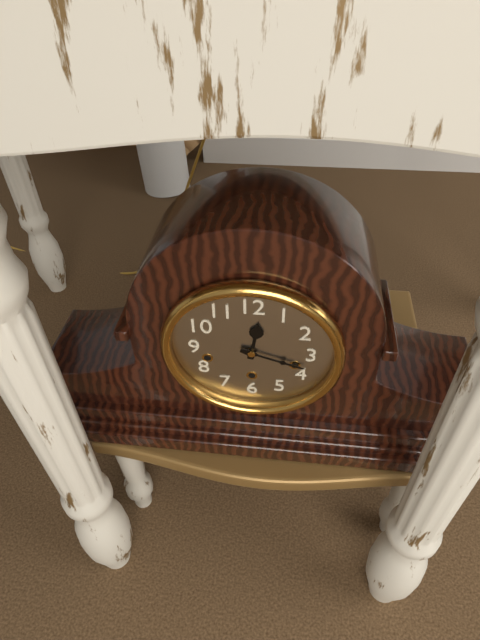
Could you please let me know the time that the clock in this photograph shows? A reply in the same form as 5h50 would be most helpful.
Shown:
12h18
